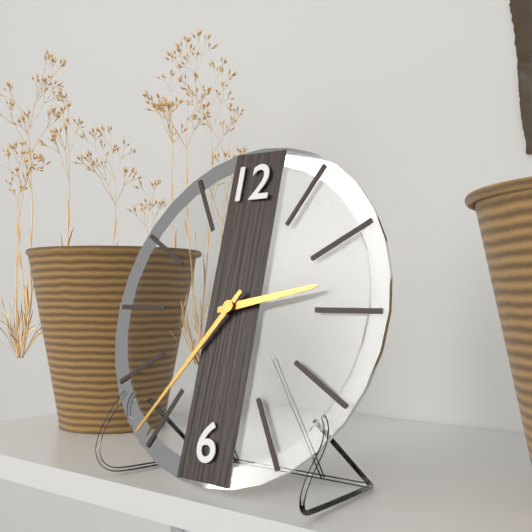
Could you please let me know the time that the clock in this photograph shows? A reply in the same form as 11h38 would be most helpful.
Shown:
2h36
